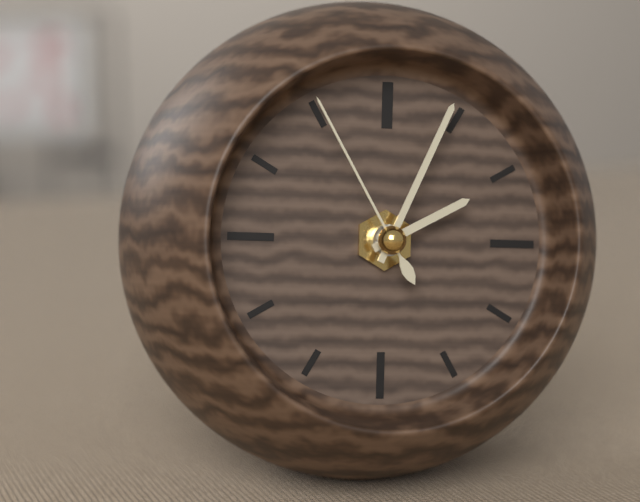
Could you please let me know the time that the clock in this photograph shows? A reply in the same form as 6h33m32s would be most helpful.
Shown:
2h04m55s
